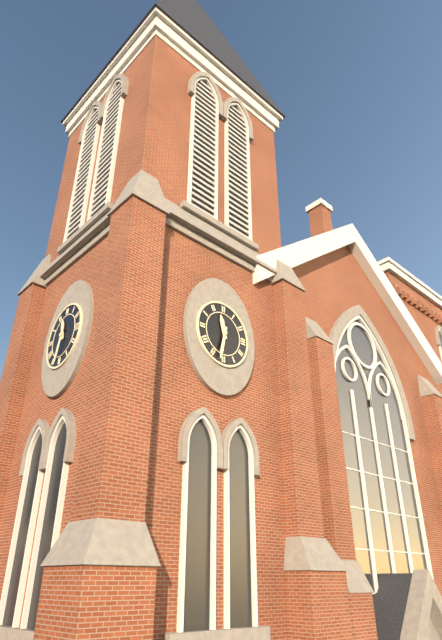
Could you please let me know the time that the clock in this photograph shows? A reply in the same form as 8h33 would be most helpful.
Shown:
11h32
